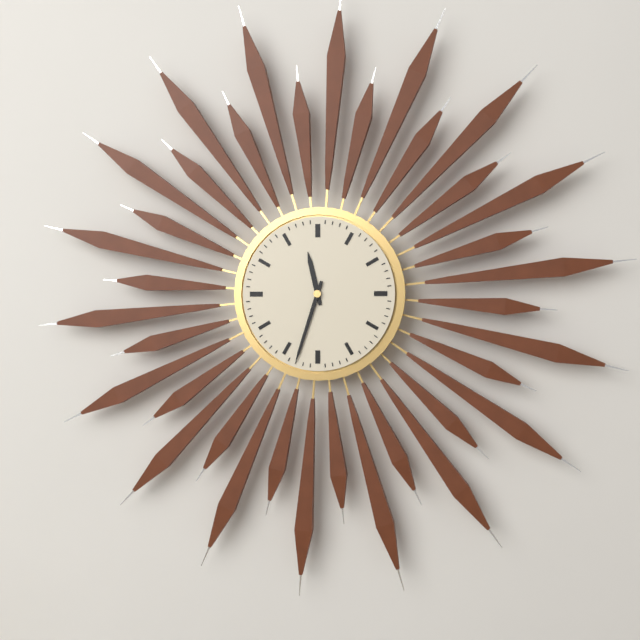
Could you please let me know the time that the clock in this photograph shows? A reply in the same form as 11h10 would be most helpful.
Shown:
11h33
